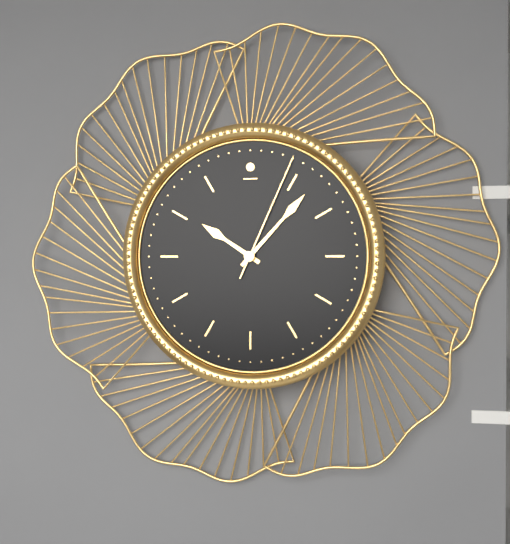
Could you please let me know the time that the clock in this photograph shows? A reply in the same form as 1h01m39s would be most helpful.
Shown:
10h07m04s
